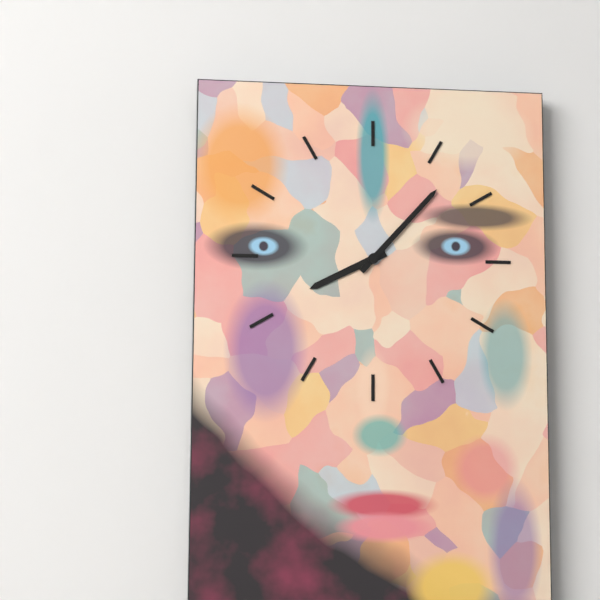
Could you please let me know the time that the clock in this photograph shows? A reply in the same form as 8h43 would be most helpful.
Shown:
8h07
